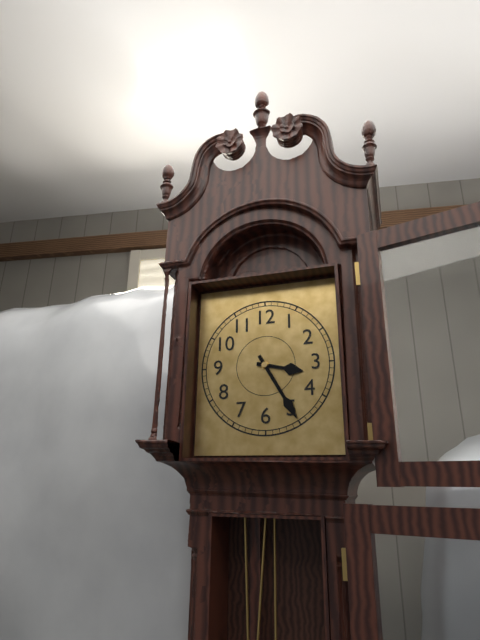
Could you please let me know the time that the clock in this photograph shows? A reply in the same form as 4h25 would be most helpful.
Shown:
3h25
